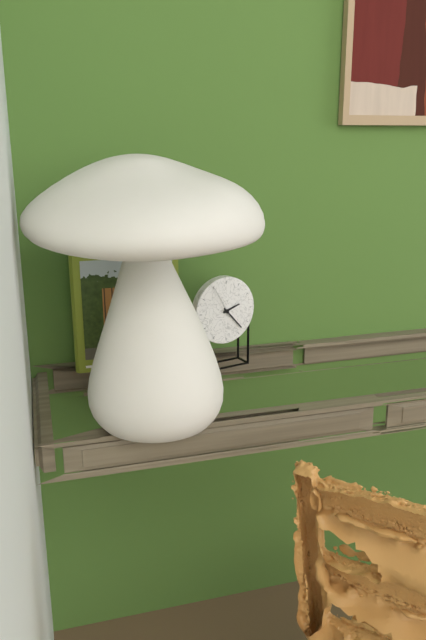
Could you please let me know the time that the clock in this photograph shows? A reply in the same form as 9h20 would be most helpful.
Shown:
2h23
